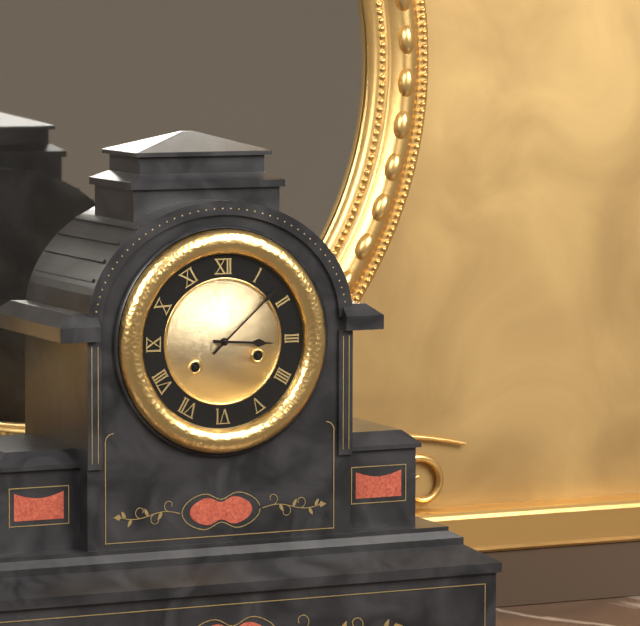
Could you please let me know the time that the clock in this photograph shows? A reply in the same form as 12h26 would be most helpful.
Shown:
3h08
